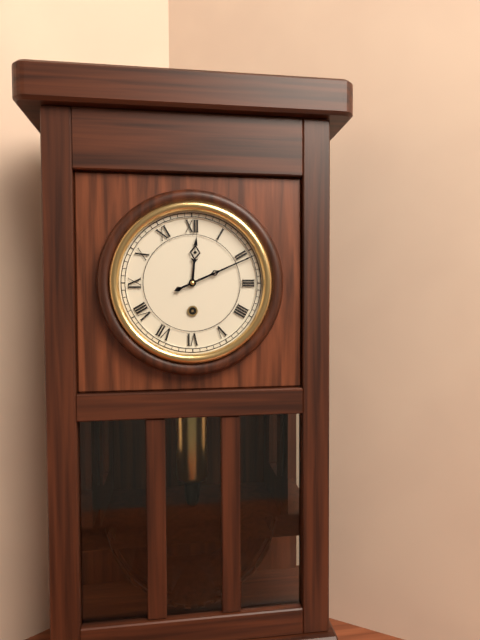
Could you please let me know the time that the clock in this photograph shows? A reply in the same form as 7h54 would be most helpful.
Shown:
12h11
